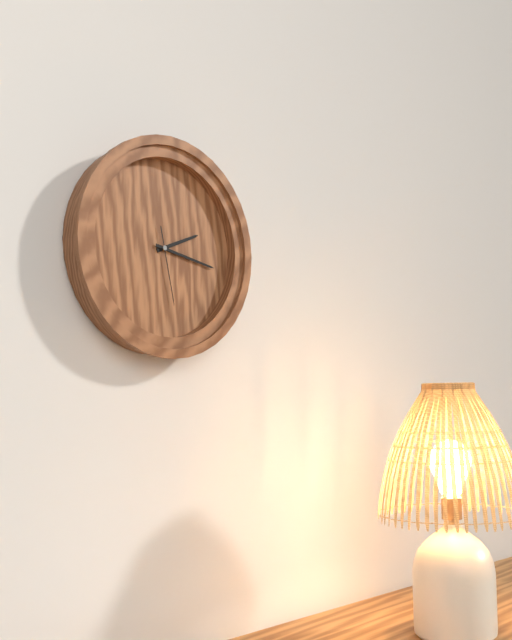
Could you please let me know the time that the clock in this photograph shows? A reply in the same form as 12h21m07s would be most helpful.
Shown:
2h17m28s
